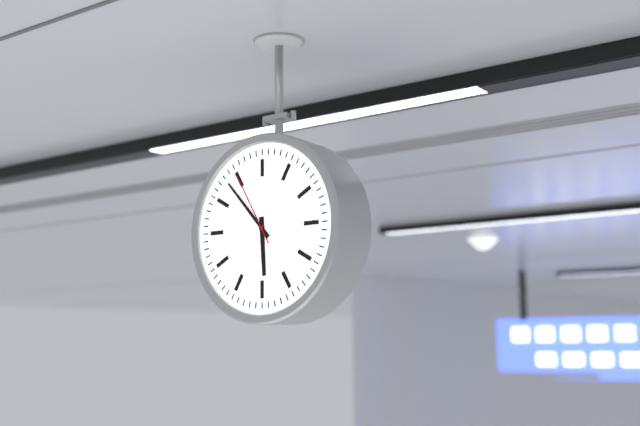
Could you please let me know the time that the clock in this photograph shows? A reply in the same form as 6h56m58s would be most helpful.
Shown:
5h53m55s
